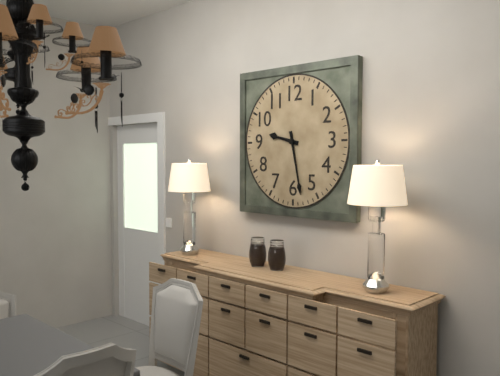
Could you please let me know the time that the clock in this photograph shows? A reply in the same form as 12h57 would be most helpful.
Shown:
9h28
